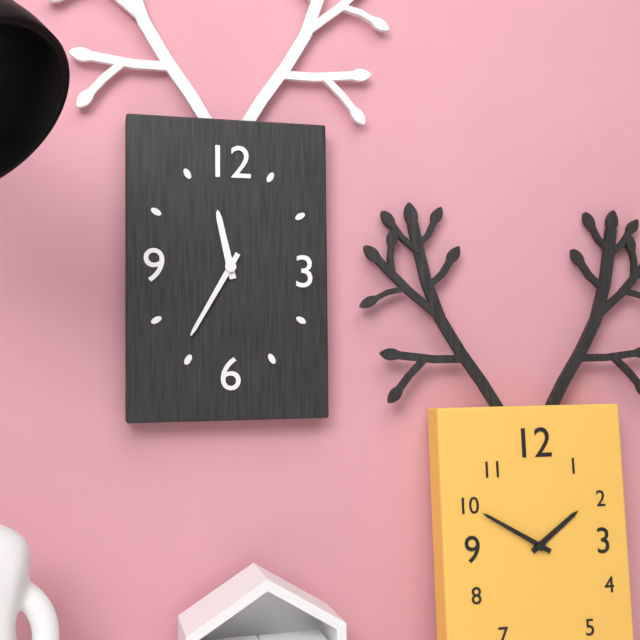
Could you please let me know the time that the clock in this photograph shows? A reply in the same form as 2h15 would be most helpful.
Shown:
11h35
